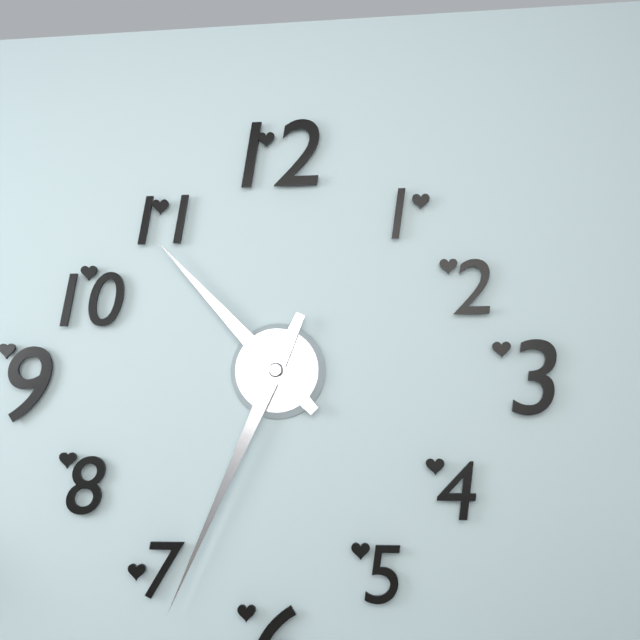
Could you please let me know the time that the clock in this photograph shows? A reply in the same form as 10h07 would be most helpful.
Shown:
10h34
